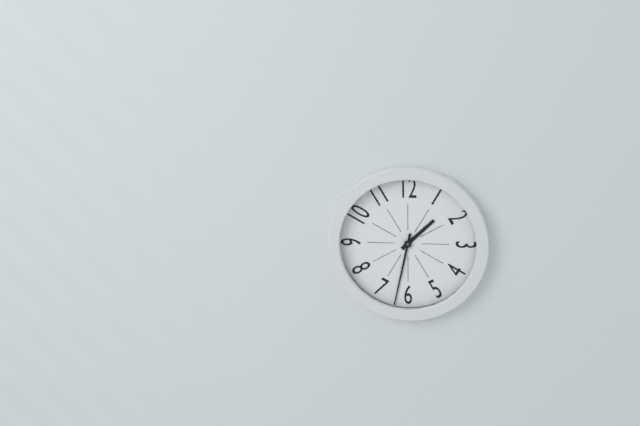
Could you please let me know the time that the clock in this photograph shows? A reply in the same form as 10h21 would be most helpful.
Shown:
1h32
